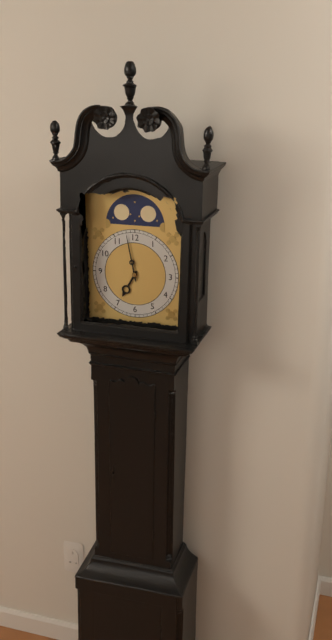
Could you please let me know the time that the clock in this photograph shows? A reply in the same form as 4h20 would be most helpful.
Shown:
6h58
